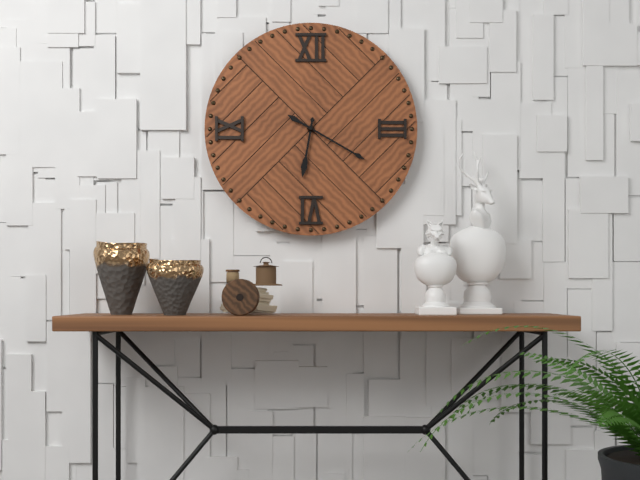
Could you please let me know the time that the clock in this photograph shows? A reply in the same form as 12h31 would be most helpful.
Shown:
6h20
